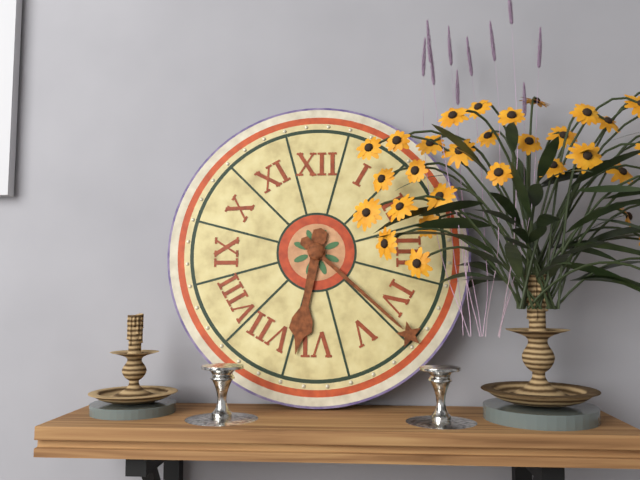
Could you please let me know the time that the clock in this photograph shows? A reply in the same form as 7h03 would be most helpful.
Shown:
6h22
